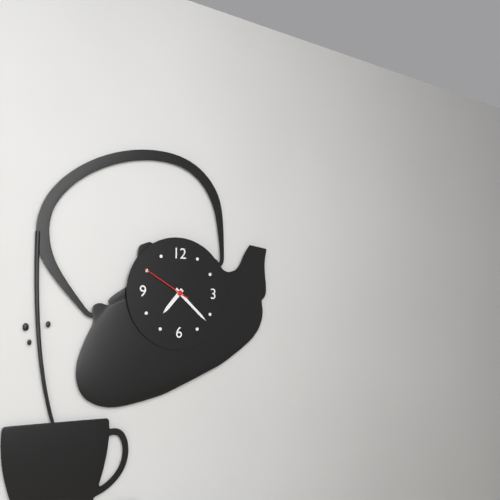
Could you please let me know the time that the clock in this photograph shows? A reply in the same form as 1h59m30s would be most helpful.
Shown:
7h22m50s
